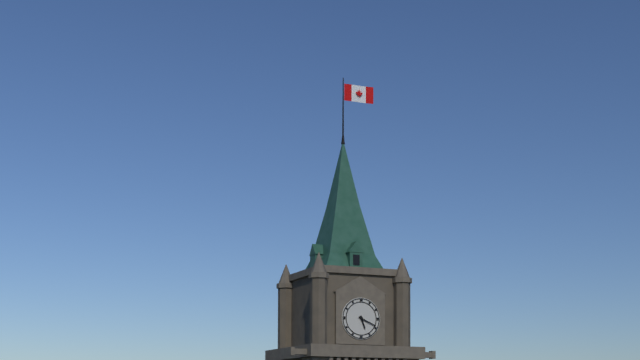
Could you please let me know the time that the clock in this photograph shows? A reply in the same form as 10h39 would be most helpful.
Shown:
5h19
